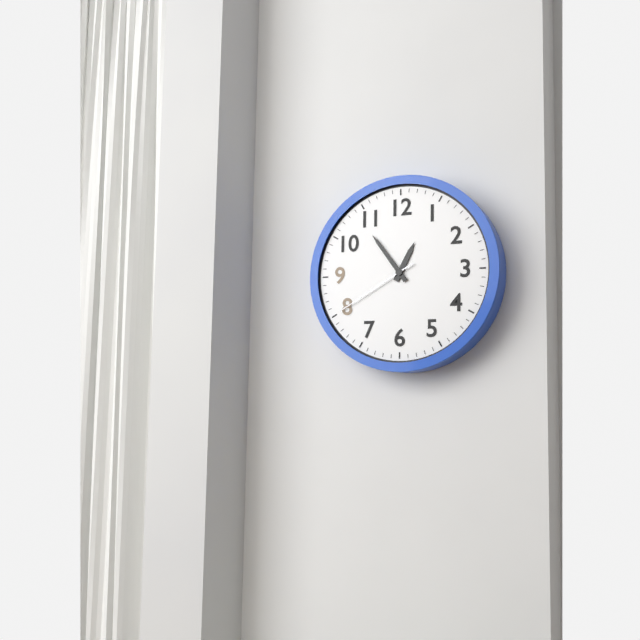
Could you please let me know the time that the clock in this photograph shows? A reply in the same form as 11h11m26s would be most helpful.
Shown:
12h54m40s
